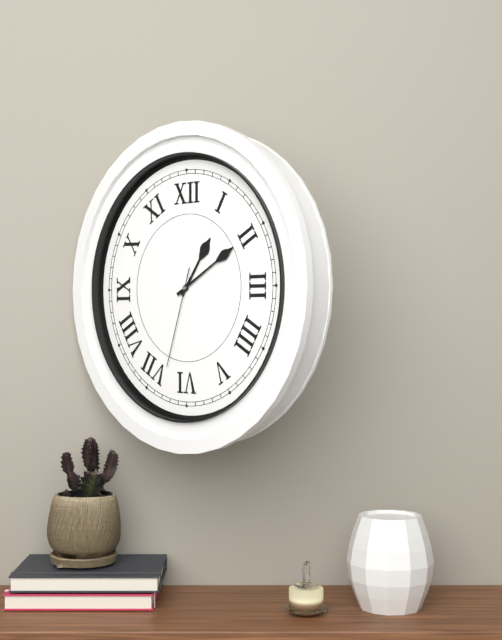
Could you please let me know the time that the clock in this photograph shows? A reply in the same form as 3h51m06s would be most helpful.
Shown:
1h10m33s
